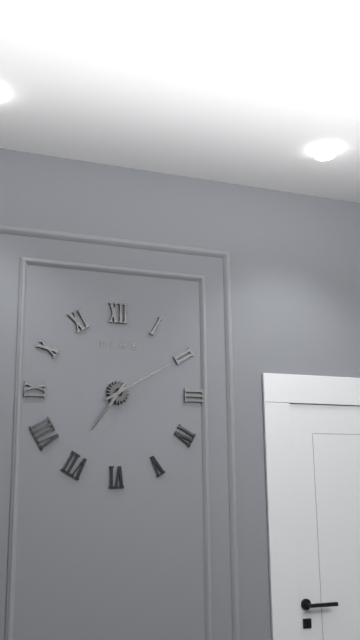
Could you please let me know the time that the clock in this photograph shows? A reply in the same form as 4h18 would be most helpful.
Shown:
7h10
